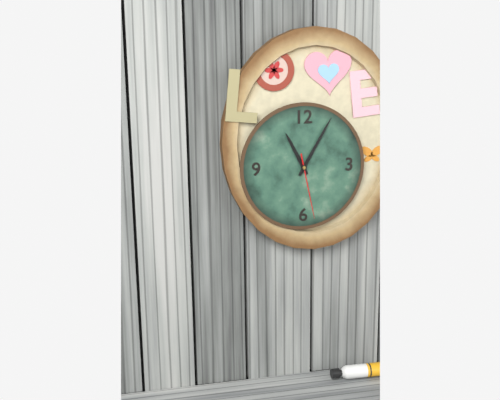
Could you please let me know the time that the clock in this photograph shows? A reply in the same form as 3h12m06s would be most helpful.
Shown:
11h05m28s
